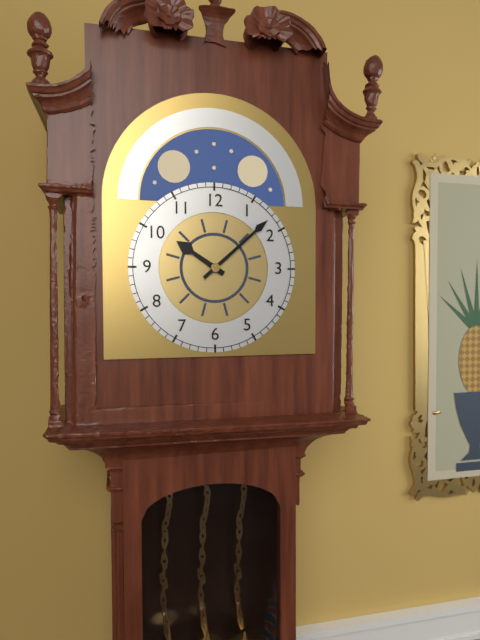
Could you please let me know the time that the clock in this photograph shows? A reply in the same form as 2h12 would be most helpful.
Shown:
10h08
